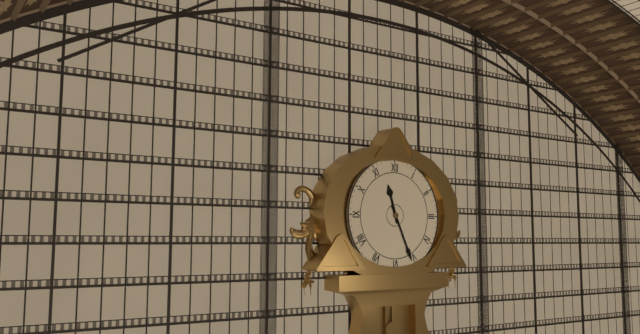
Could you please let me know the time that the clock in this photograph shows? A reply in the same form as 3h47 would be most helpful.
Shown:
11h26
